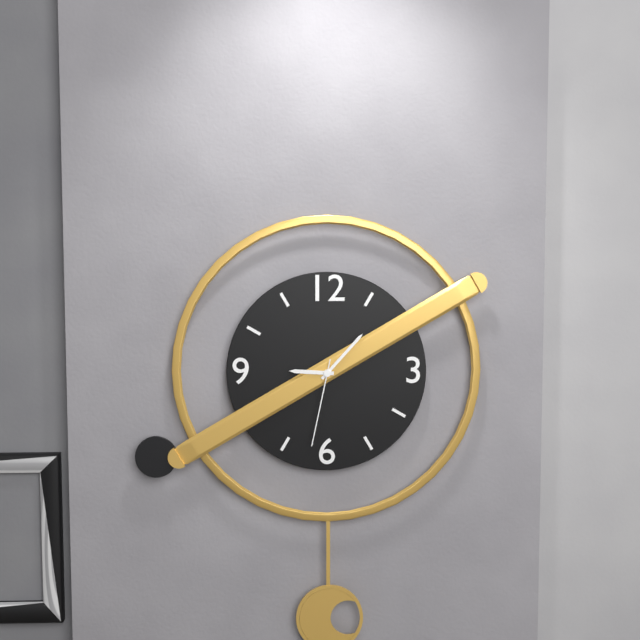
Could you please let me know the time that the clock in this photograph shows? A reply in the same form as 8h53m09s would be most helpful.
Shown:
9h07m32s
